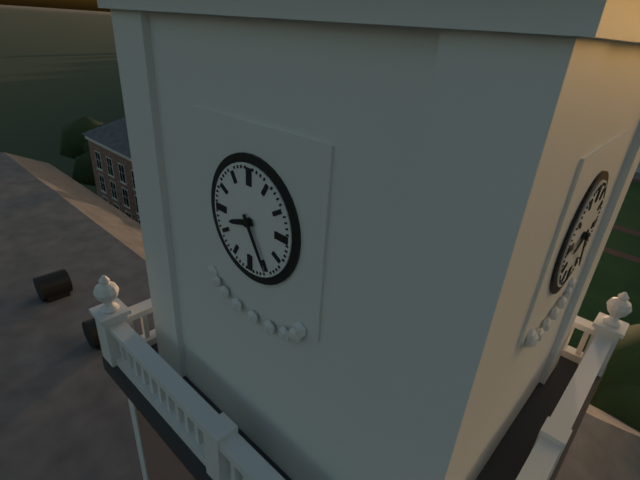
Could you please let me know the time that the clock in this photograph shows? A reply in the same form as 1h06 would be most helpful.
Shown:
8h25
